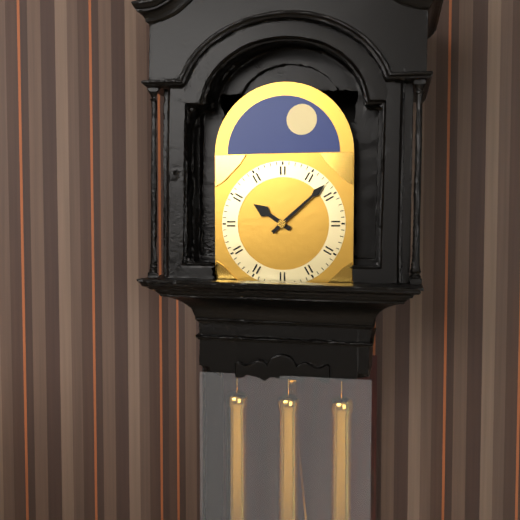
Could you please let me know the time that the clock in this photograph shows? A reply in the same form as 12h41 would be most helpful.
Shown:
10h08
